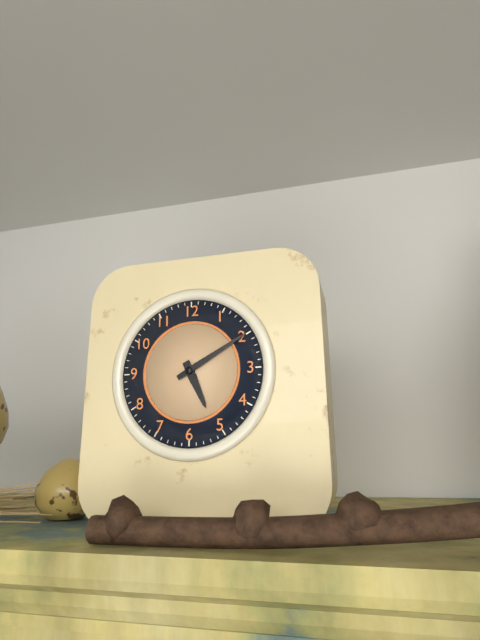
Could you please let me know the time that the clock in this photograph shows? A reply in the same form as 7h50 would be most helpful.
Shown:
5h10
